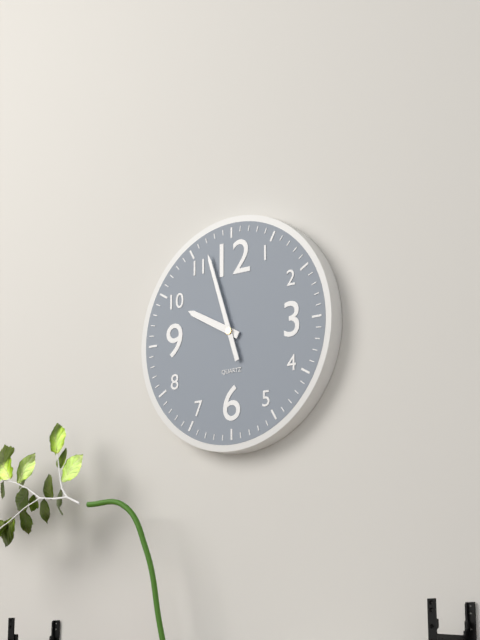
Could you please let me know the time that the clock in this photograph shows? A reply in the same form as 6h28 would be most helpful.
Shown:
9h57
